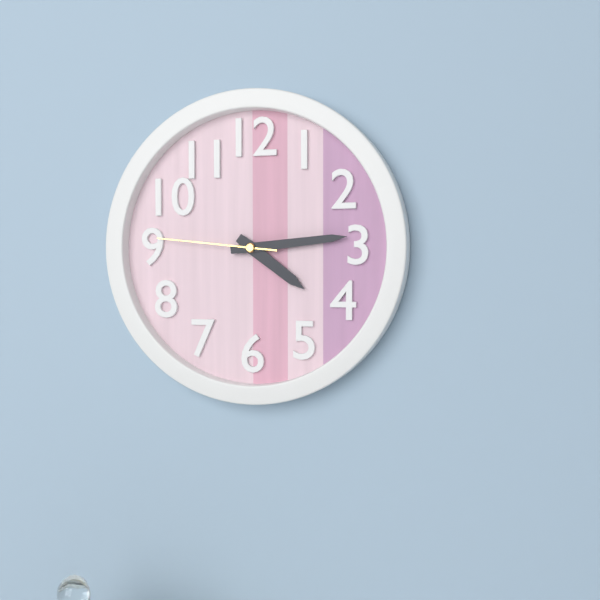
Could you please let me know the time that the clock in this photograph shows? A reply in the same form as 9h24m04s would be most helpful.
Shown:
4h14m46s
